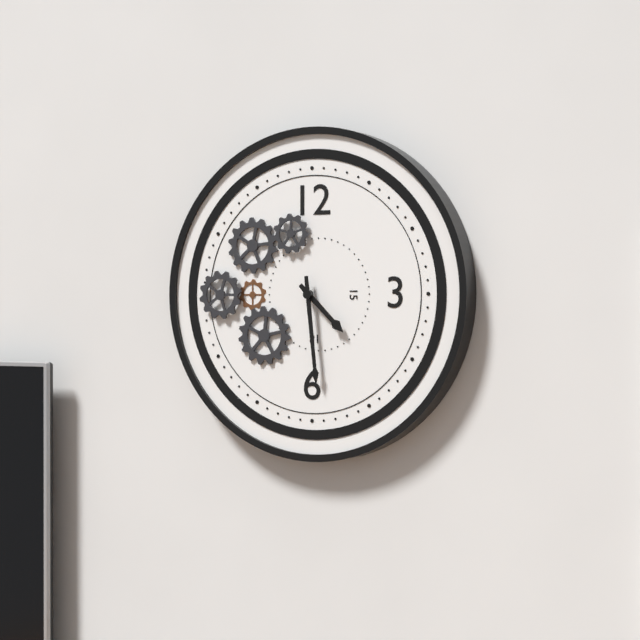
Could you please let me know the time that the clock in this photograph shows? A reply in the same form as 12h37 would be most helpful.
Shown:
4h29
